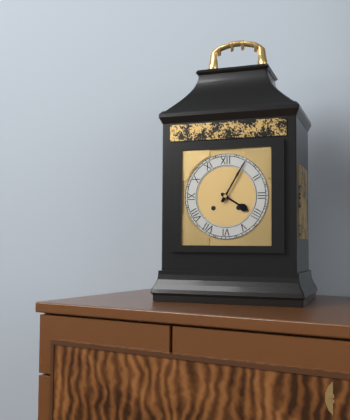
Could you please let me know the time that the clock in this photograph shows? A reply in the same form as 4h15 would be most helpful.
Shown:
4h05
